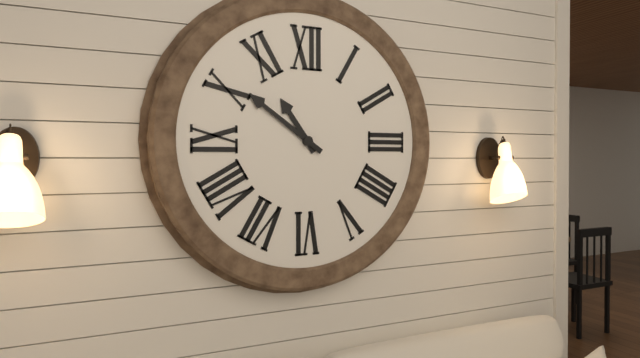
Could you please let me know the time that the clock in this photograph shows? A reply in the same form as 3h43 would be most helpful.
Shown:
10h51
